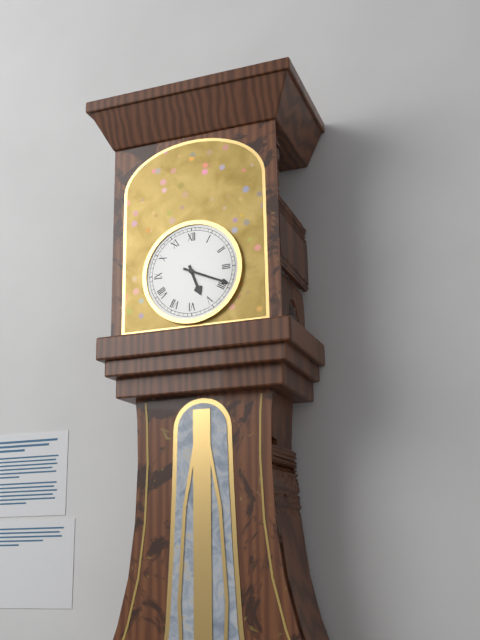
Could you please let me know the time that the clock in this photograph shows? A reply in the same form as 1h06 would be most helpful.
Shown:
5h19
